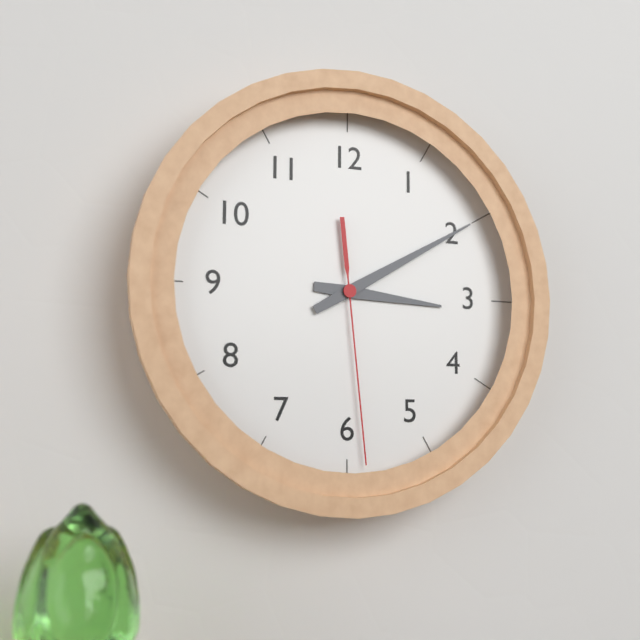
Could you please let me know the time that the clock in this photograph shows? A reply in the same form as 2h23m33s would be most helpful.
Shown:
3h10m29s
